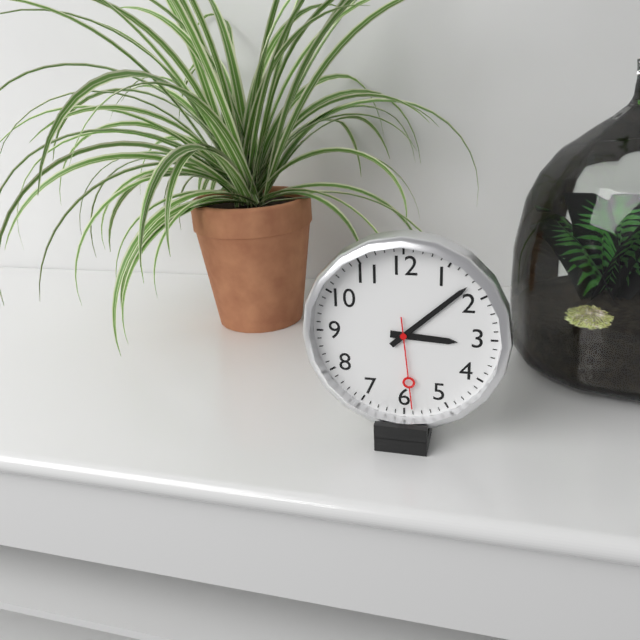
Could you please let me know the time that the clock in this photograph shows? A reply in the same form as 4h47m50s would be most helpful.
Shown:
3h08m29s
